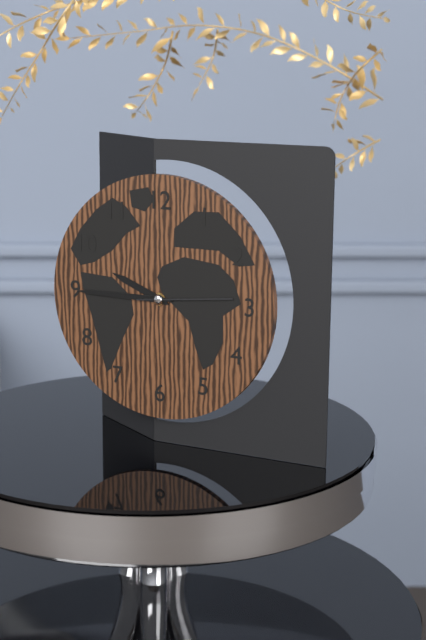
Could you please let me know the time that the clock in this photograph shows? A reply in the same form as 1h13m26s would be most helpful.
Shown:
9h45m14s
